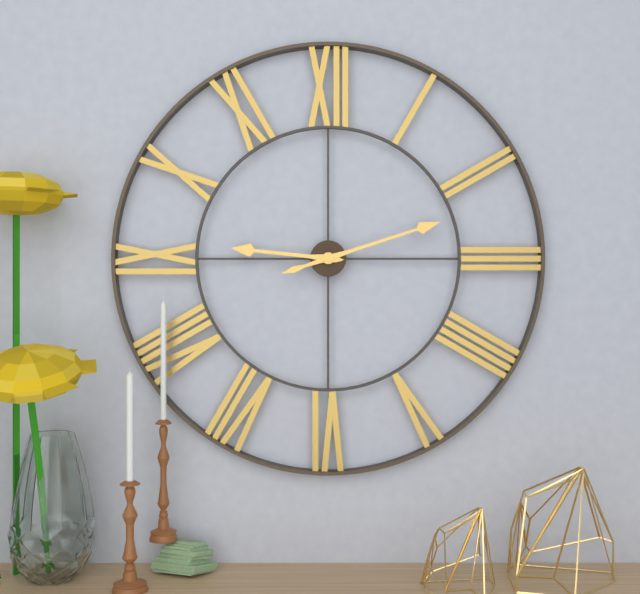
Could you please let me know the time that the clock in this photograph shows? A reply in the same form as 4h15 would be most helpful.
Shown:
9h12
